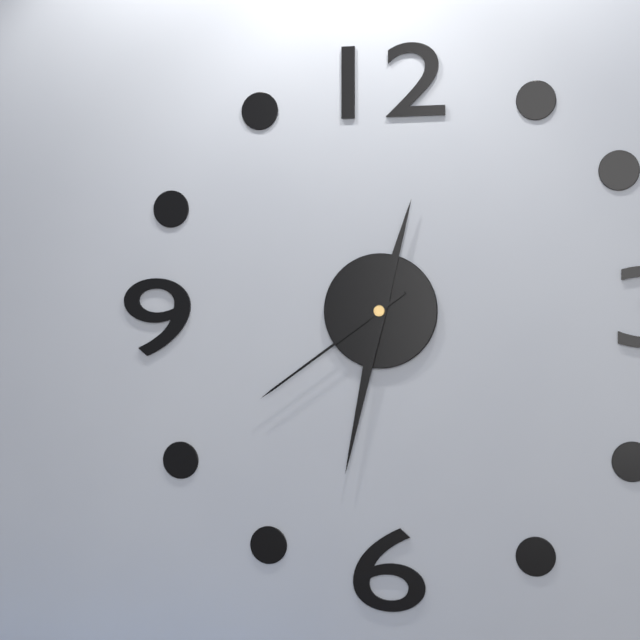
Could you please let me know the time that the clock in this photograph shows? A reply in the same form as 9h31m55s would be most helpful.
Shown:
12h32m39s
